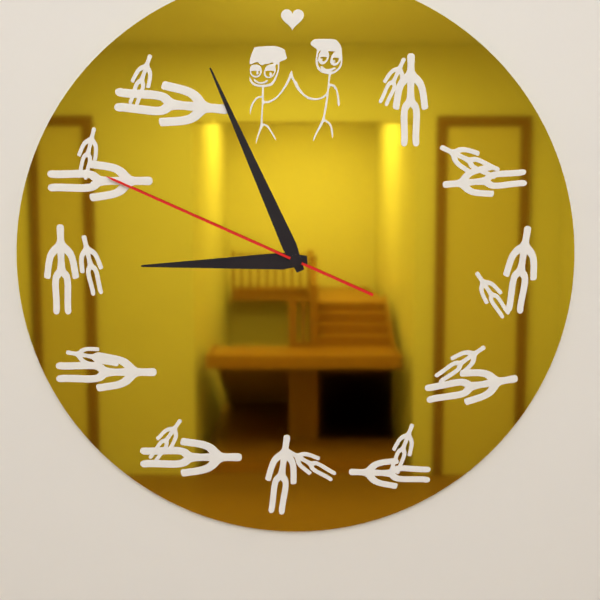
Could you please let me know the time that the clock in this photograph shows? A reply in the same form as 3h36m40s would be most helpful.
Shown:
8h56m49s
